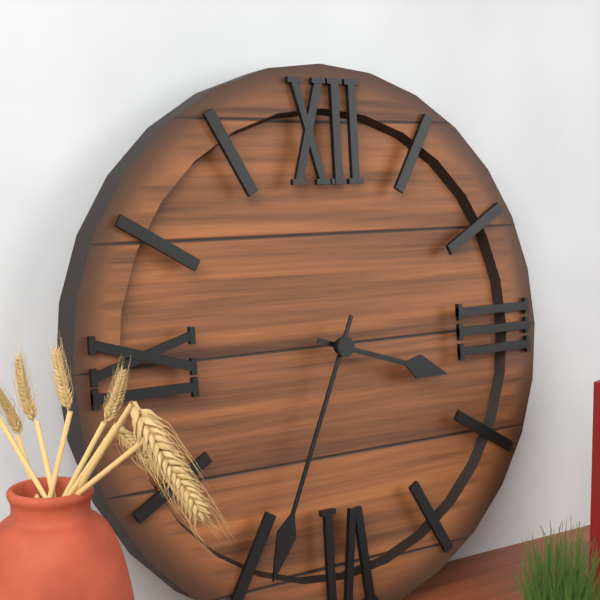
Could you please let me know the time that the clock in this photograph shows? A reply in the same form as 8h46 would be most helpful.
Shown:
3h34
